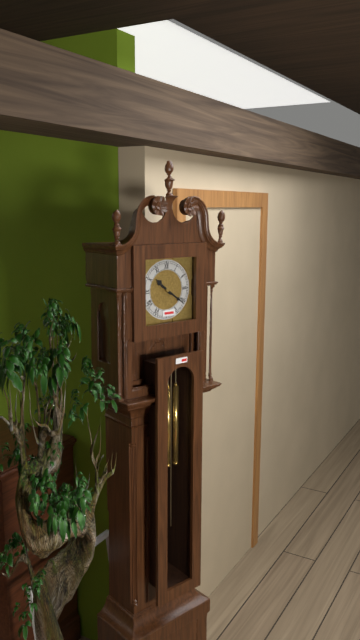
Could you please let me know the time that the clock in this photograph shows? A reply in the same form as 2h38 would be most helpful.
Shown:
10h21
